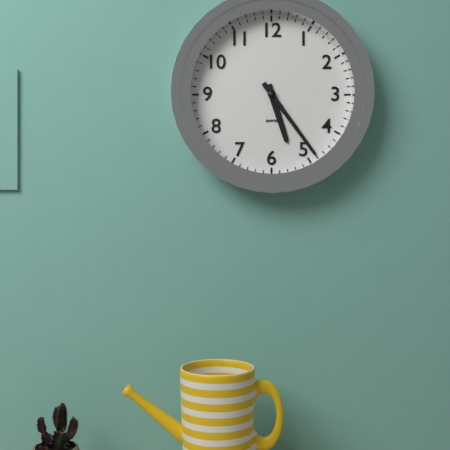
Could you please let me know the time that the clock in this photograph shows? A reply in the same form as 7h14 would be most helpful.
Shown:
5h24
